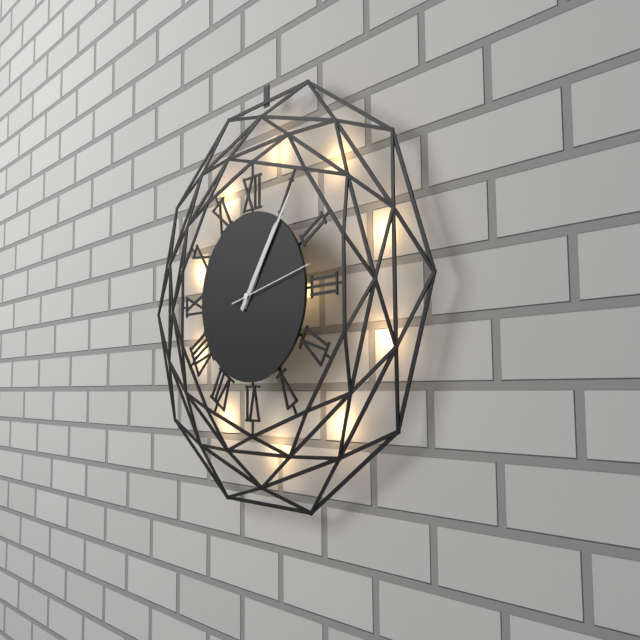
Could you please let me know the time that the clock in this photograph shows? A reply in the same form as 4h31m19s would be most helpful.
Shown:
1h06m13s
